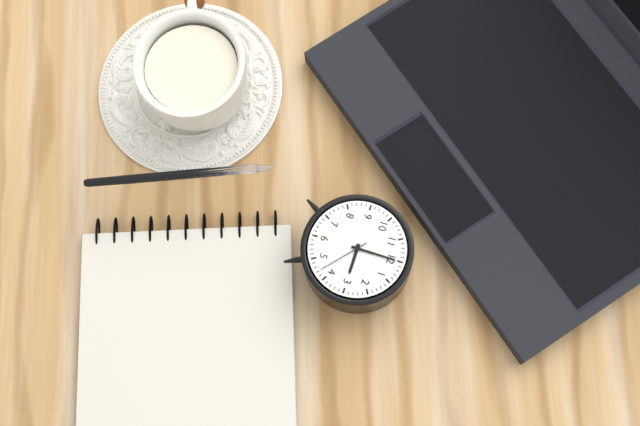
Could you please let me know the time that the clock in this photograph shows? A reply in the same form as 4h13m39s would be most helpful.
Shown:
3h00m22s
